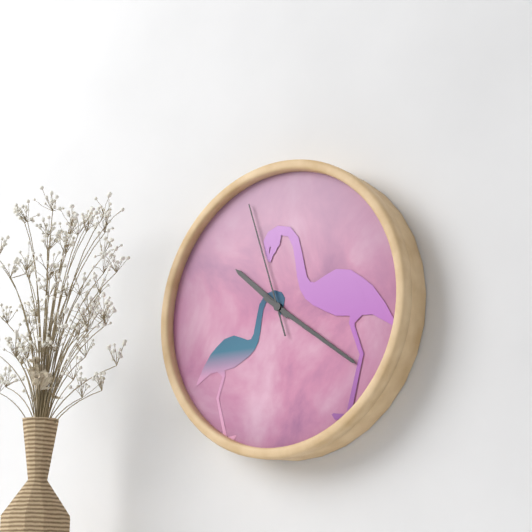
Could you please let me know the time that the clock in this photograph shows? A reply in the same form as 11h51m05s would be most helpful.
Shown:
10h21m57s
